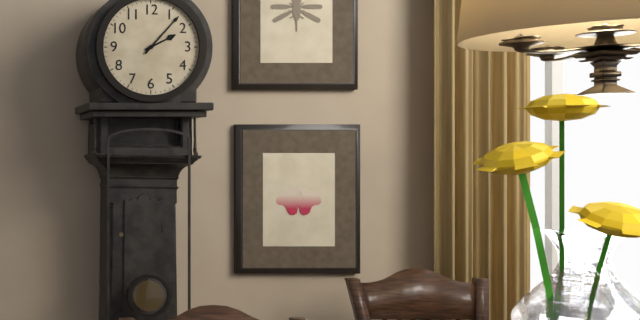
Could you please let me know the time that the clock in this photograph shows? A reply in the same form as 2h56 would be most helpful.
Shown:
2h07
